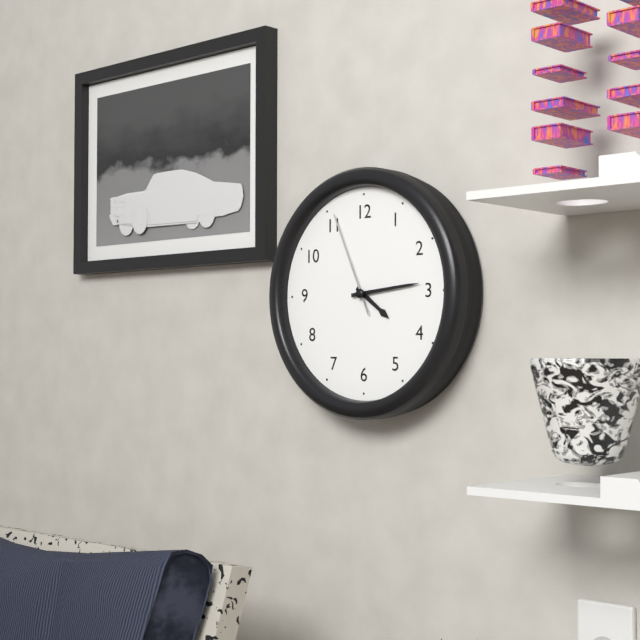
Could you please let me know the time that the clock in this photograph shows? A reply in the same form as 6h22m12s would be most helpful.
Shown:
4h14m56s
